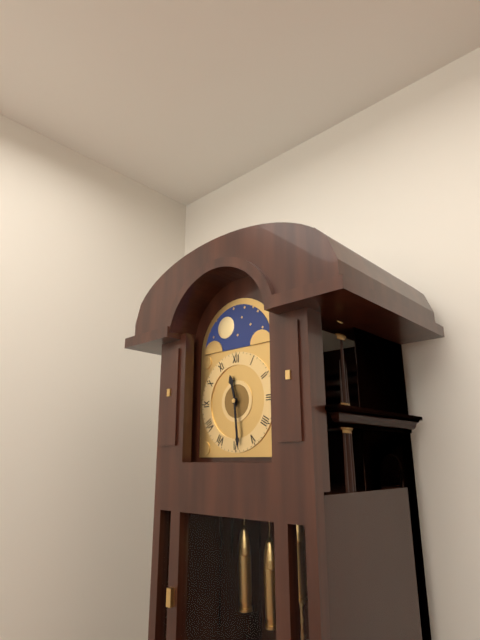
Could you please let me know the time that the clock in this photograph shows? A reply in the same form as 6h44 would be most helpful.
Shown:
11h29
